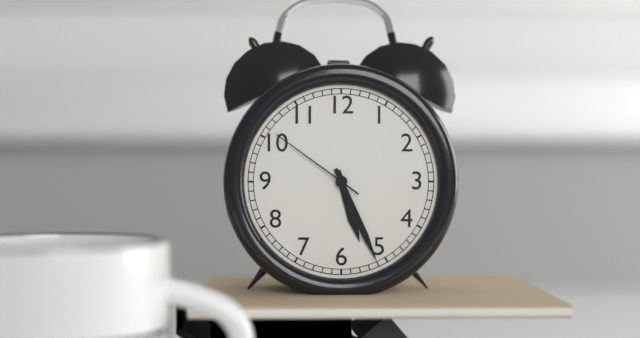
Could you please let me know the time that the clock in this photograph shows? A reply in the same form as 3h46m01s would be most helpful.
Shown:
5h26m51s
